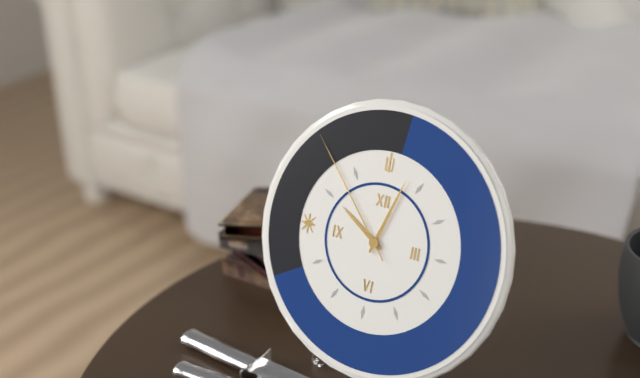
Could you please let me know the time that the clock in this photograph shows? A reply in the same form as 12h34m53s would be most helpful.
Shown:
10h03m53s
